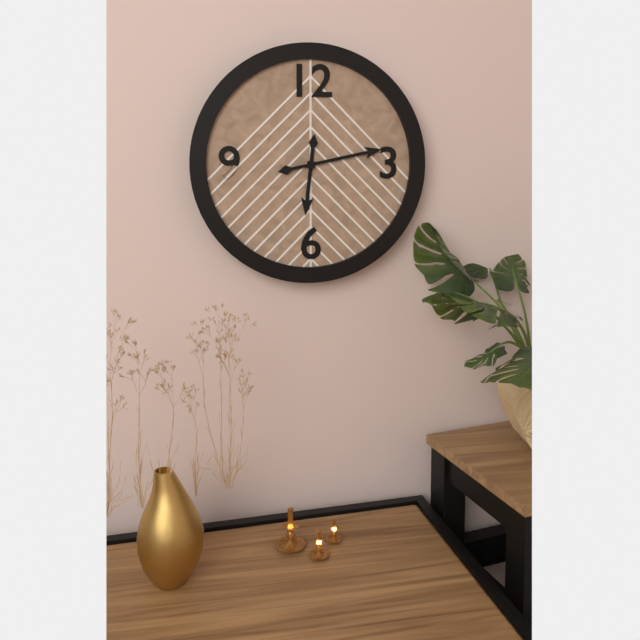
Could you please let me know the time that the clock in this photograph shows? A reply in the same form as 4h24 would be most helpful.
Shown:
6h13
